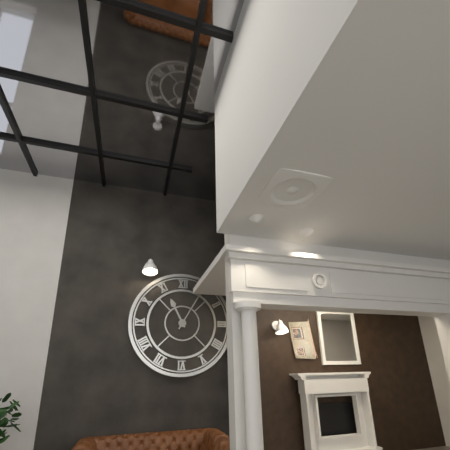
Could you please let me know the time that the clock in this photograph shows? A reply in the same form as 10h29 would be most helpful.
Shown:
11h05
